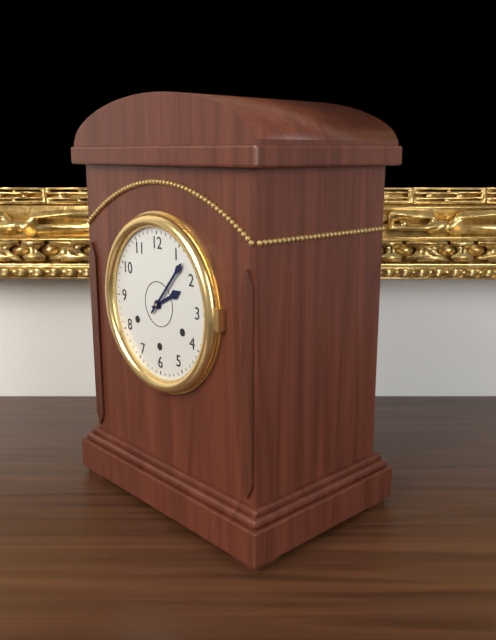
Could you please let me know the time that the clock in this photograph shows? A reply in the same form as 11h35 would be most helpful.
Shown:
2h07
